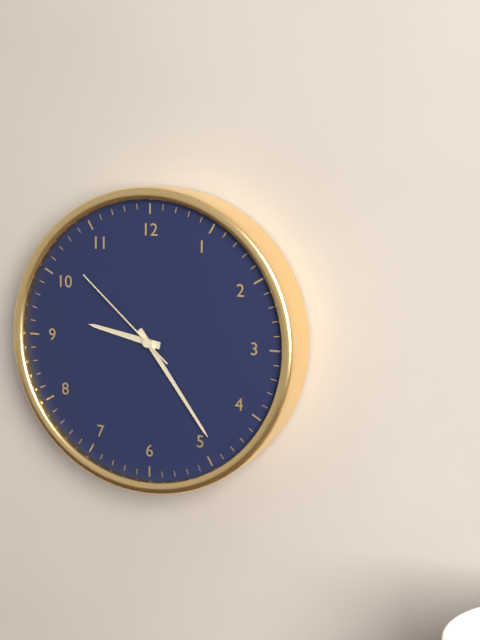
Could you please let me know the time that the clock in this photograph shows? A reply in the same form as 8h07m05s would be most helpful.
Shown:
9h24m52s
